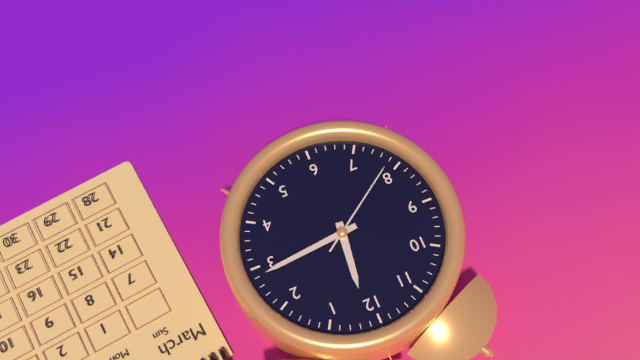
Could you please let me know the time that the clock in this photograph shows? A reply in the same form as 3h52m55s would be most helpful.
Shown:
12h14m39s
